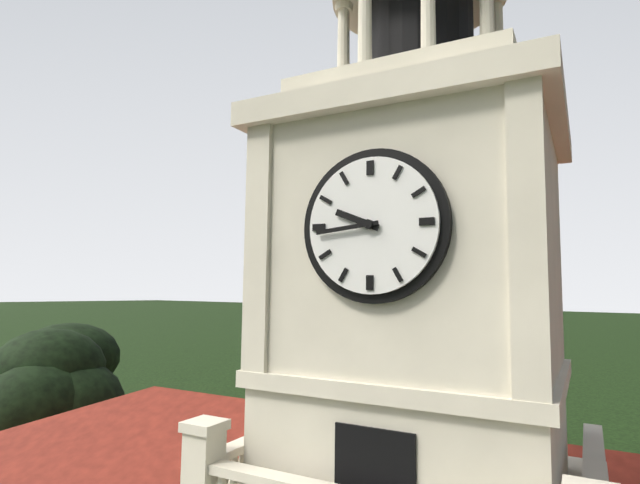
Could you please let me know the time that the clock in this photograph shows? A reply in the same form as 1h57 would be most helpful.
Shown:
9h44
